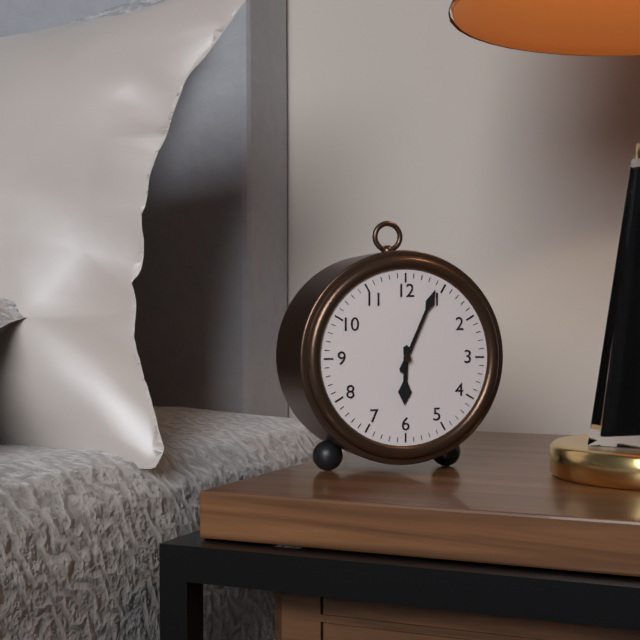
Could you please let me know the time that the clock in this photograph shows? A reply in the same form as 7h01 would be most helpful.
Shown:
6h04
